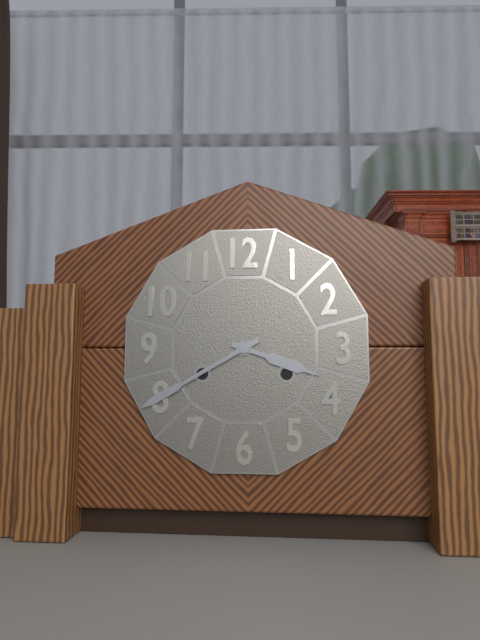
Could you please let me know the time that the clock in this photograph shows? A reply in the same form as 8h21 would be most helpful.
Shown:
3h40
